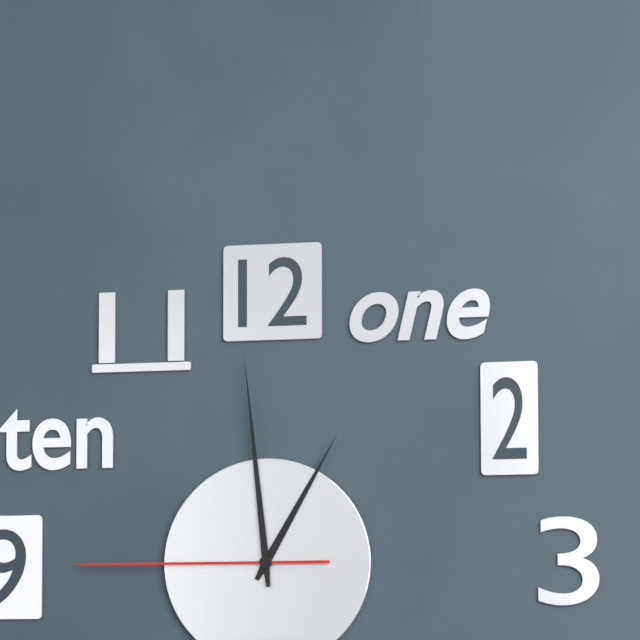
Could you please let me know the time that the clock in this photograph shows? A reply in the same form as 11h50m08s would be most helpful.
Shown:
12h59m45s
